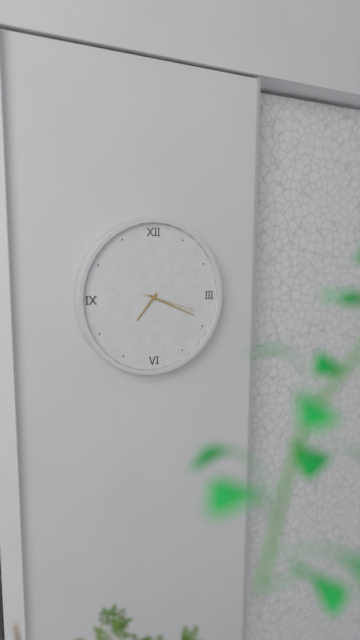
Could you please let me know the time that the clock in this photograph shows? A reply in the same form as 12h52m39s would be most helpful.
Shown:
7h19m18s
